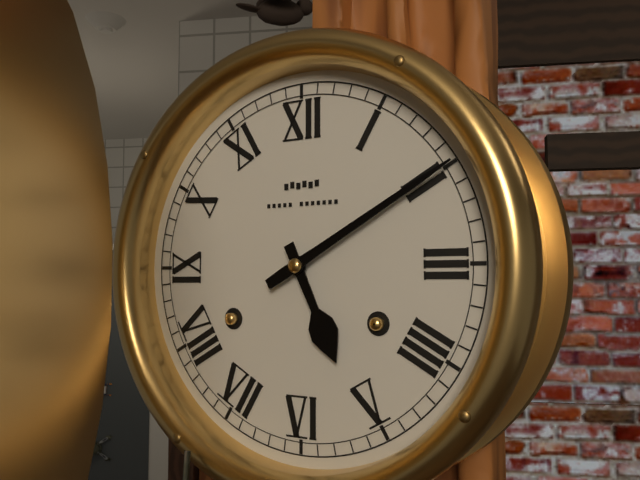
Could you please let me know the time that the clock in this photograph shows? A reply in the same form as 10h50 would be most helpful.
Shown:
5h10
